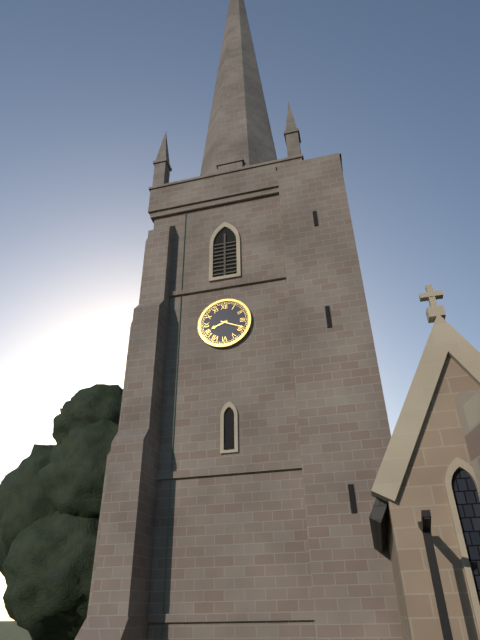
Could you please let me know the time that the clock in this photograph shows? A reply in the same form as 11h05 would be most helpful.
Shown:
8h19
